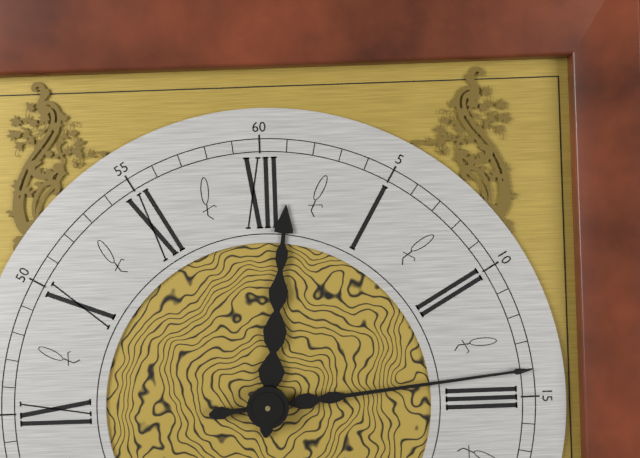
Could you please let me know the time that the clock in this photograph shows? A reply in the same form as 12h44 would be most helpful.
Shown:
12h14
